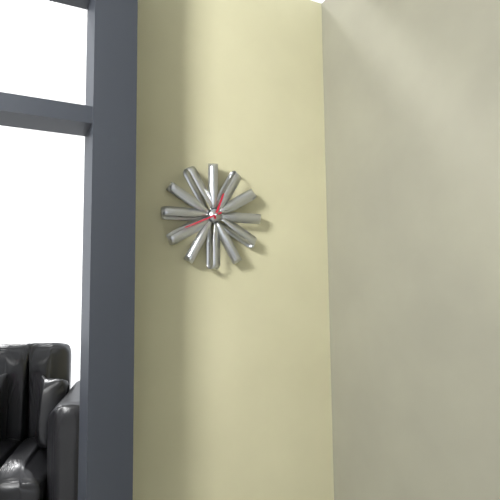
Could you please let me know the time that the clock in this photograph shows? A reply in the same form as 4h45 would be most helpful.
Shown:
12h41
